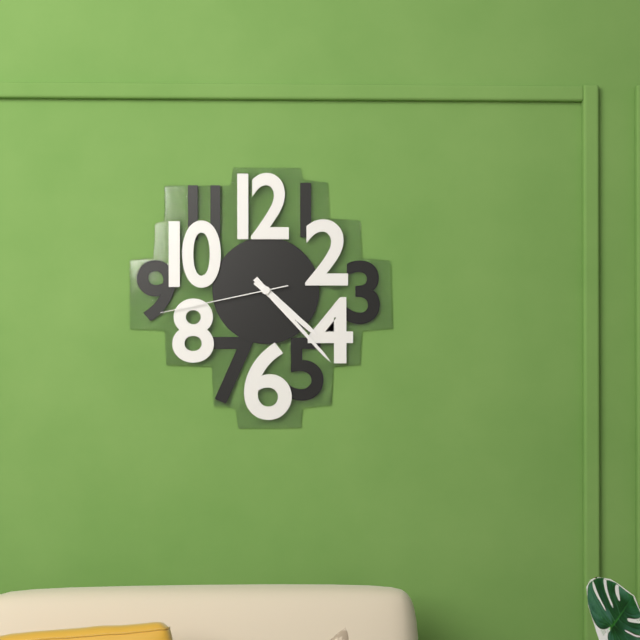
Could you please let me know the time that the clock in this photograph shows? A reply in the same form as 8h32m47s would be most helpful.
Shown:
4h23m43s
